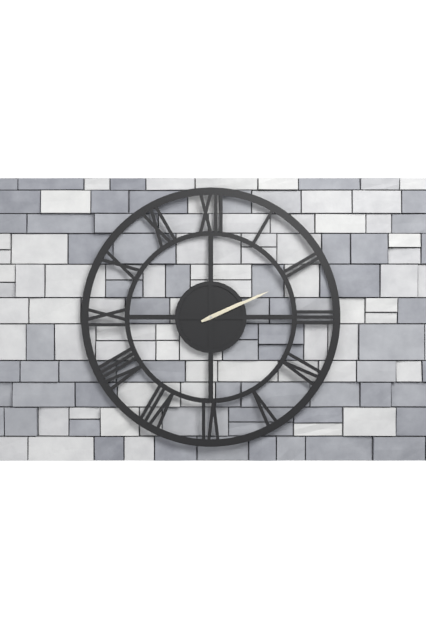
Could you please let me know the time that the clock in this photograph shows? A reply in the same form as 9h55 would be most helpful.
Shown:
2h11
